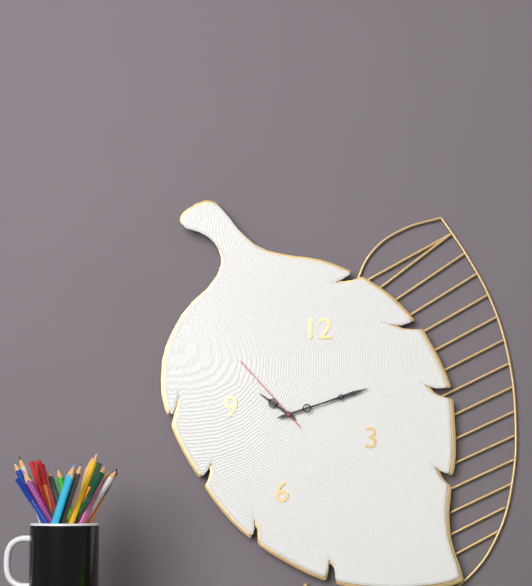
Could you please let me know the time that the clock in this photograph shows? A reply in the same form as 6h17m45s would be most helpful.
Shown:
10h12m53s
